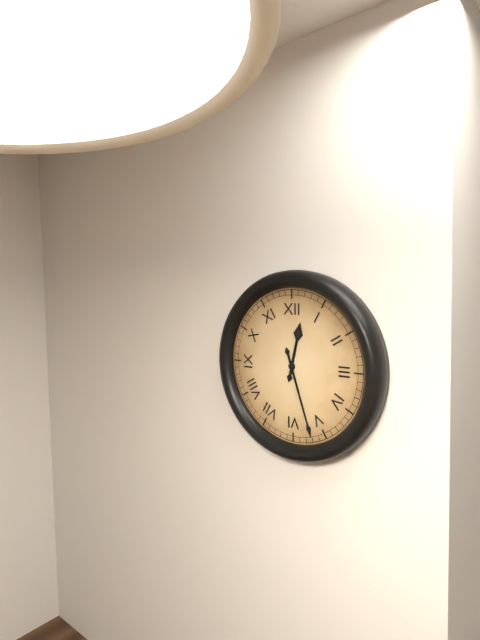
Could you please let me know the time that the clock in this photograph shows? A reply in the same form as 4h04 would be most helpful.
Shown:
12h27
